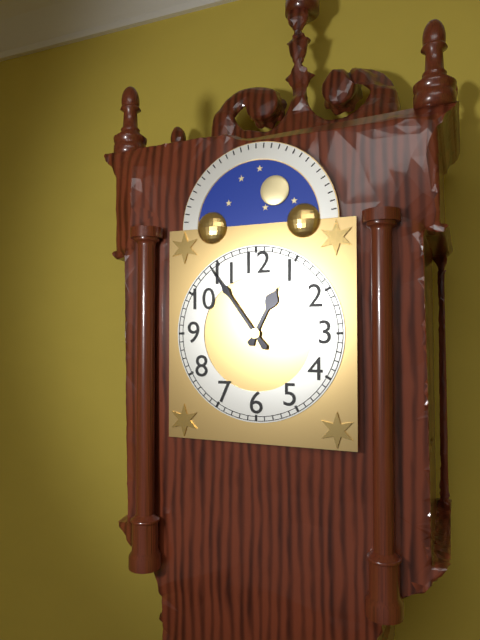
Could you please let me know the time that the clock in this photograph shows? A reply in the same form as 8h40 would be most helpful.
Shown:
12h54
